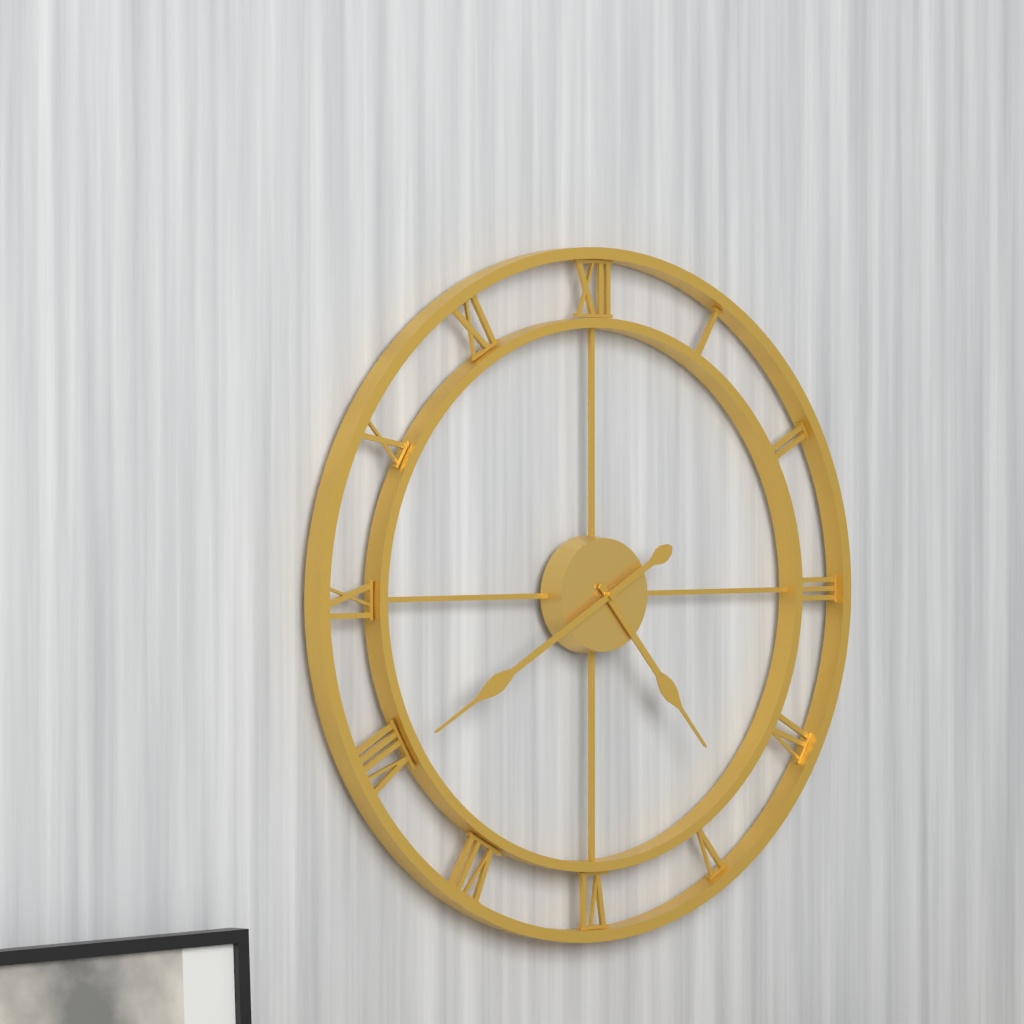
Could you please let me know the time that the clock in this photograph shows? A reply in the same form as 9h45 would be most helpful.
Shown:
4h40
